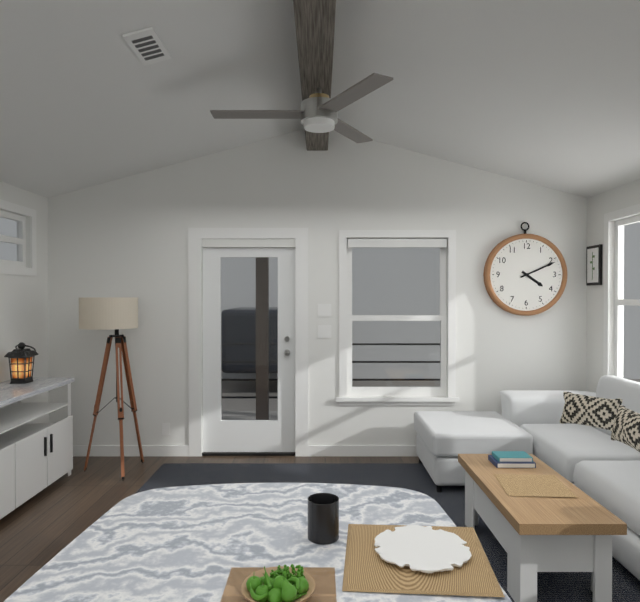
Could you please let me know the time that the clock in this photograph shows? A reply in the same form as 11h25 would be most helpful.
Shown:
4h11
